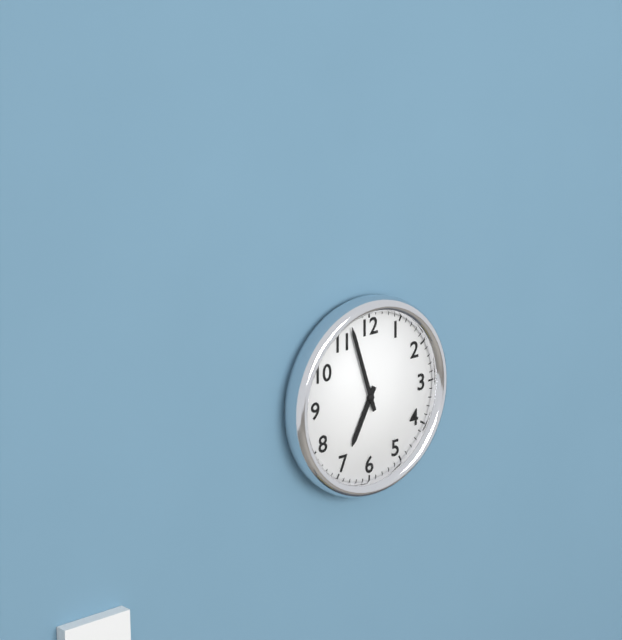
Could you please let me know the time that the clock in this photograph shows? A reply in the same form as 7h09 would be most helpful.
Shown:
6h57
